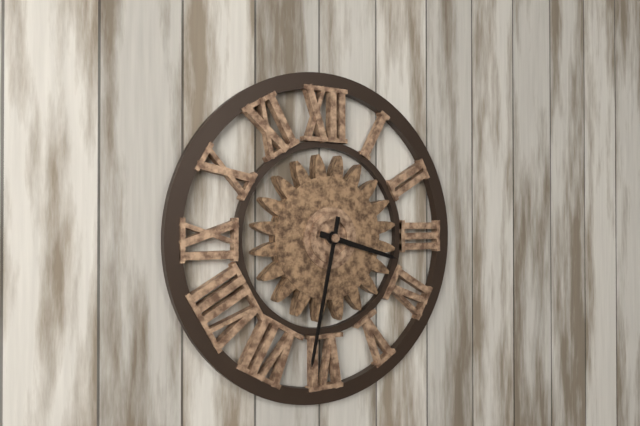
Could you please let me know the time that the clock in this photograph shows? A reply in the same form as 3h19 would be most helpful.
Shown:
3h32
